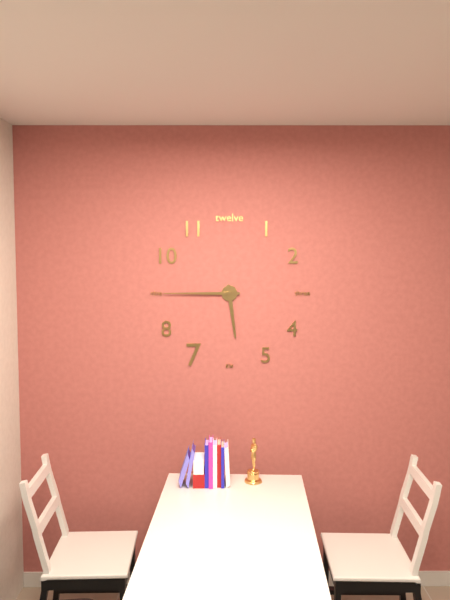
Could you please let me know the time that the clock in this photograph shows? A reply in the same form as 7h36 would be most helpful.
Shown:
5h45
